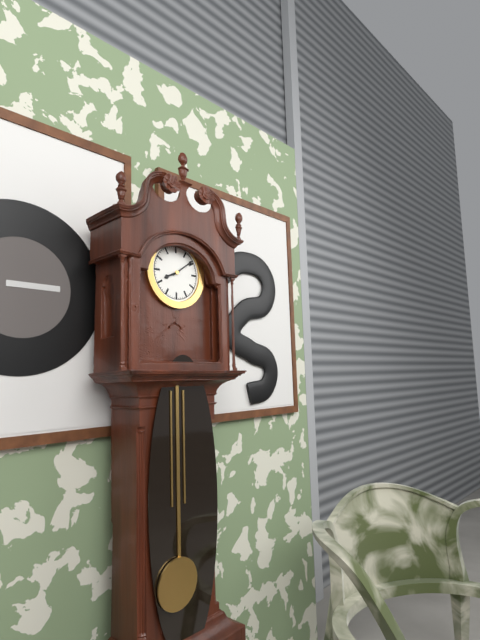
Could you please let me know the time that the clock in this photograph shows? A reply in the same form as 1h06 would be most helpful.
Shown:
8h09
